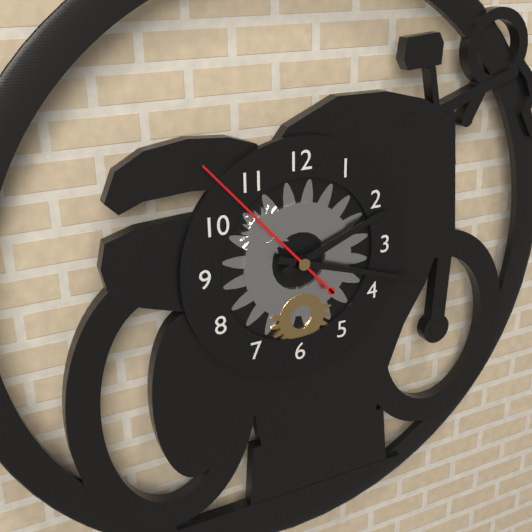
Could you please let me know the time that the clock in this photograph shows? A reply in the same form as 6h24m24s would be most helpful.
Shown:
2h18m53s
